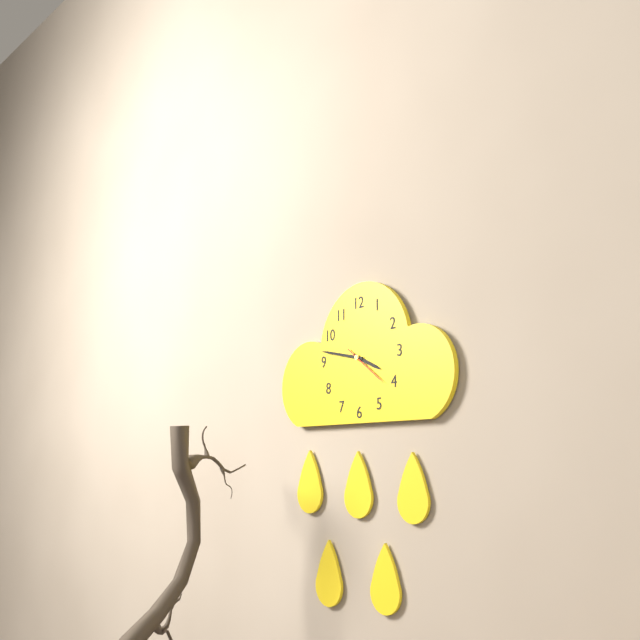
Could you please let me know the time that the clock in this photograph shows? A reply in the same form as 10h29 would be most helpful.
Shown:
3h47
